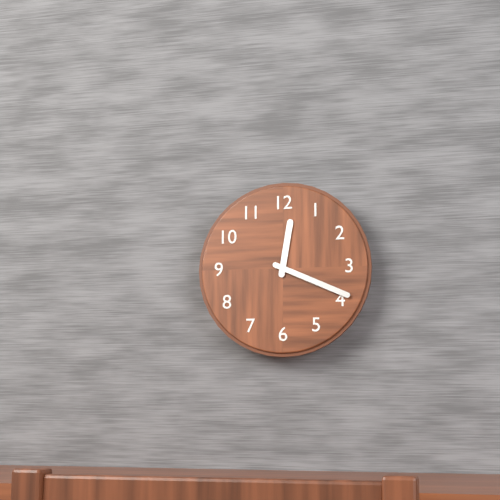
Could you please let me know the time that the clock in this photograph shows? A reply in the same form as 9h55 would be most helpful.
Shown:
12h19
